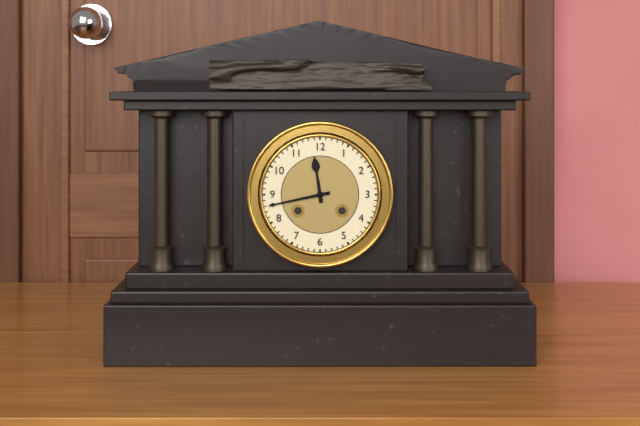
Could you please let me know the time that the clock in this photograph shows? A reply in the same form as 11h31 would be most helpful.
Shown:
11h43
